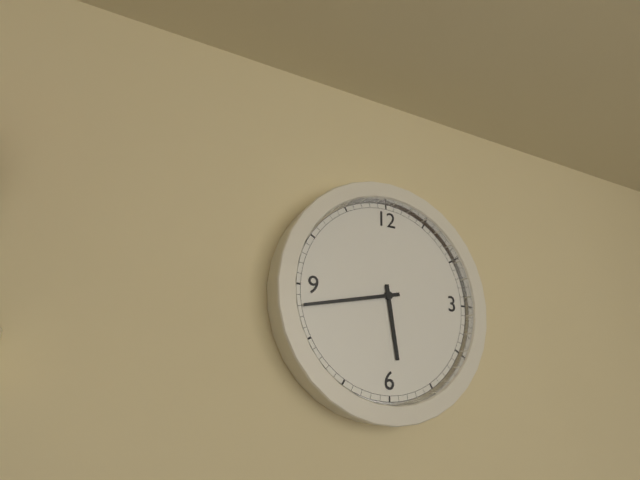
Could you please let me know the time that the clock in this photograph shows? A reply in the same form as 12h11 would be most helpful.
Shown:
5h43
